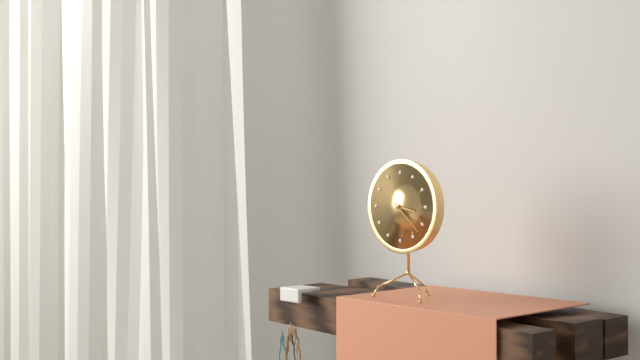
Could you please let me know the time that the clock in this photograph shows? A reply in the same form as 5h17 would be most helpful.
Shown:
3h22
